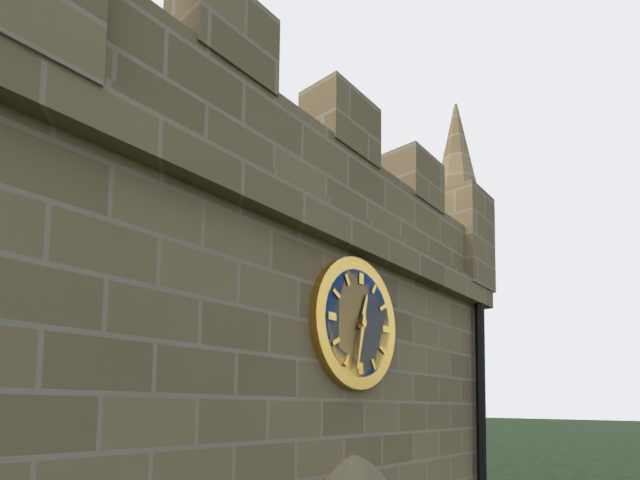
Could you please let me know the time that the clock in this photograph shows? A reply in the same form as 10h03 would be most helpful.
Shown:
12h32
